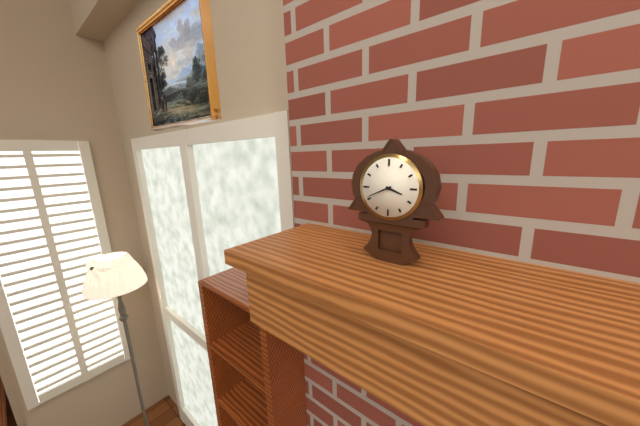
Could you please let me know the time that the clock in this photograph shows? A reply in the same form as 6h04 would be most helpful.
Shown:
3h41
